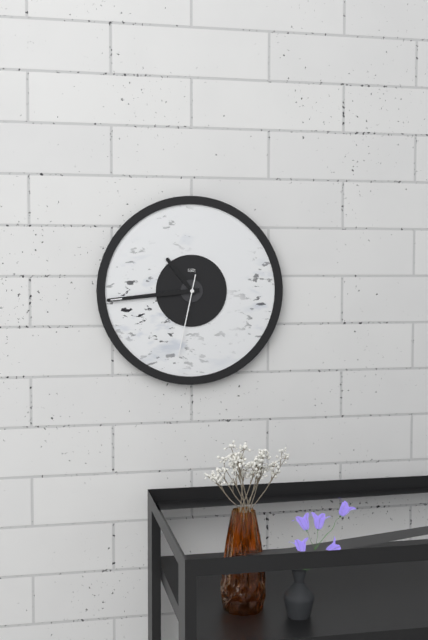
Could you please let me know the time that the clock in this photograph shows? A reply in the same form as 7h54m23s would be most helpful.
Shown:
10h44m32s
